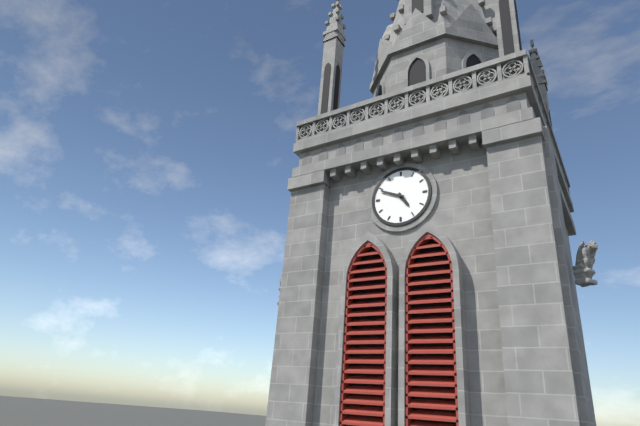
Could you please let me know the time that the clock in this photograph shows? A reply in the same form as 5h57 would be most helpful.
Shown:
4h49
